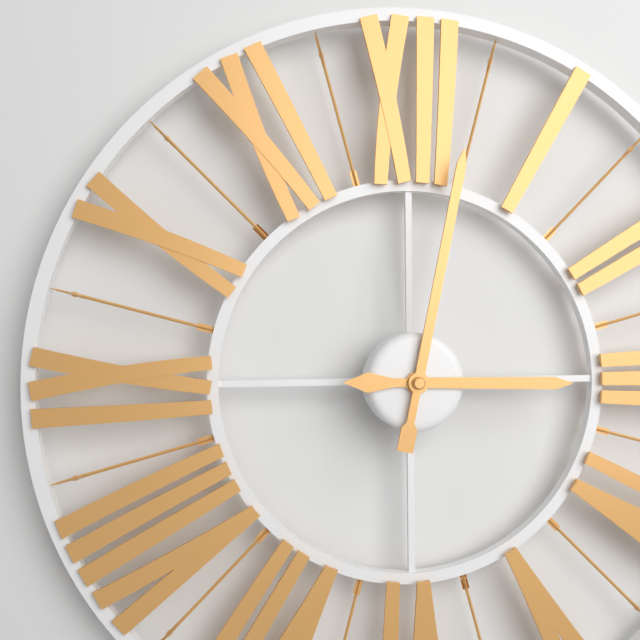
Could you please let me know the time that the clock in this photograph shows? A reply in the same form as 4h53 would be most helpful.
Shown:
3h02
